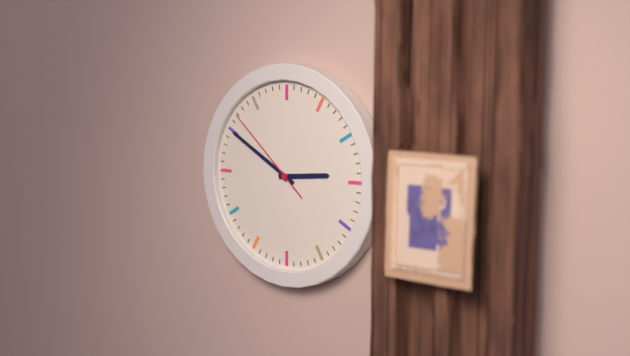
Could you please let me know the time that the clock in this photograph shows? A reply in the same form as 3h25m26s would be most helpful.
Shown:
2h50m52s
